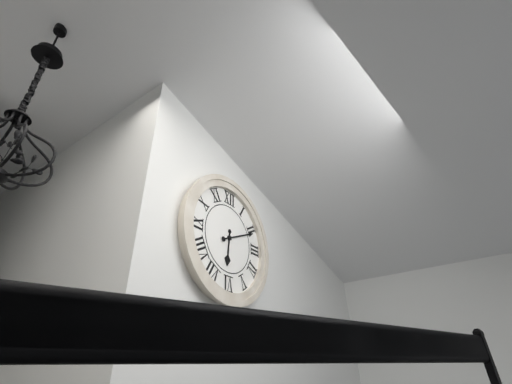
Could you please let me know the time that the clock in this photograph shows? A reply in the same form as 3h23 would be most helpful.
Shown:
6h11
